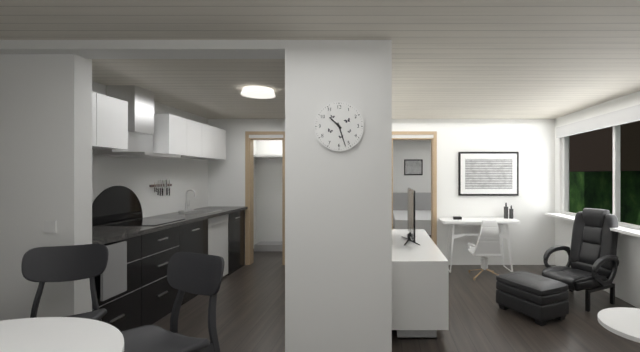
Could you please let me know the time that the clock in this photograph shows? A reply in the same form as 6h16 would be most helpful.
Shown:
10h27
